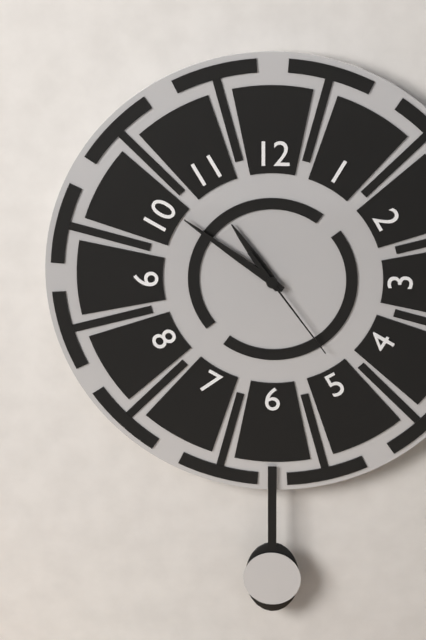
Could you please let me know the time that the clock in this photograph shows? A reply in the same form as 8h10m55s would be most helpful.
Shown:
10h51m24s
